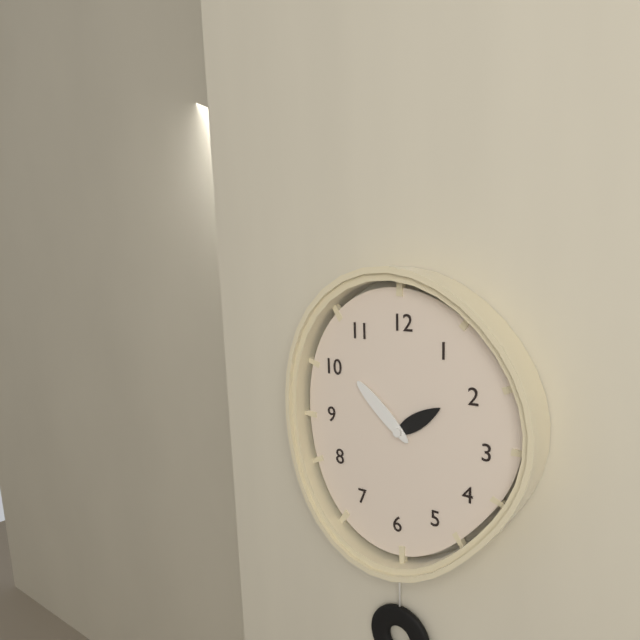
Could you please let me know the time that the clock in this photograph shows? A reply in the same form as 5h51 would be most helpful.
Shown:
1h52
